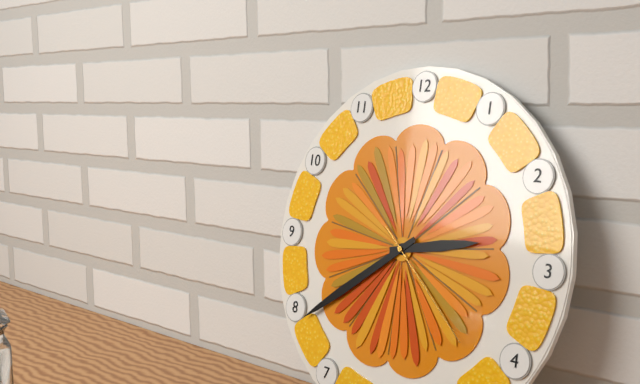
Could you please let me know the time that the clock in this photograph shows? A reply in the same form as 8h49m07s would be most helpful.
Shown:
2h39m22s
